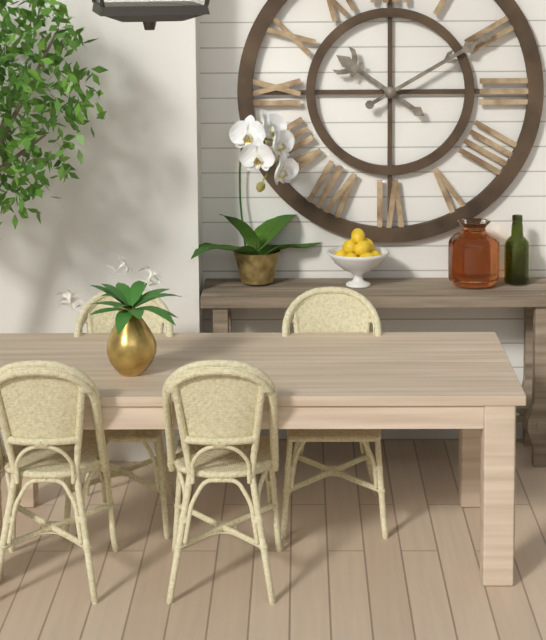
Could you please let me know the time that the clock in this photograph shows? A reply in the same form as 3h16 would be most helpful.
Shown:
10h10
